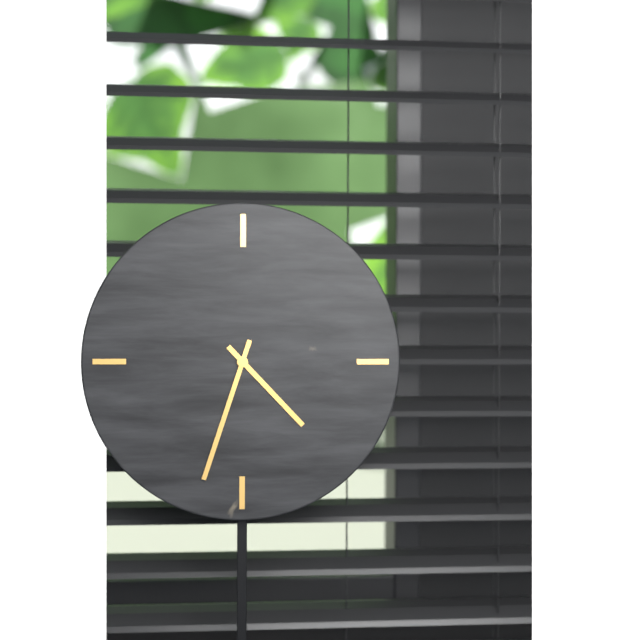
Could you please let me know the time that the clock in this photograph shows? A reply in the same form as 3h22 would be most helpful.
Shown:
4h33
